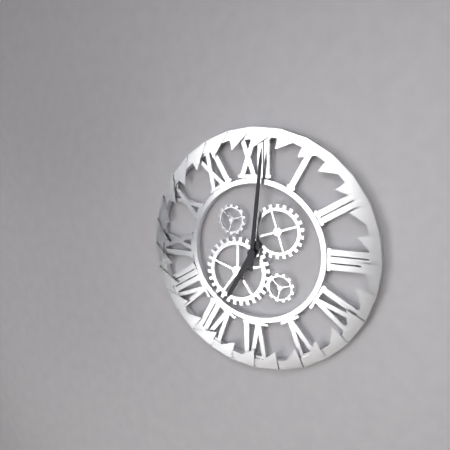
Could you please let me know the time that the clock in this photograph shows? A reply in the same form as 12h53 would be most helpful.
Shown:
7h01
